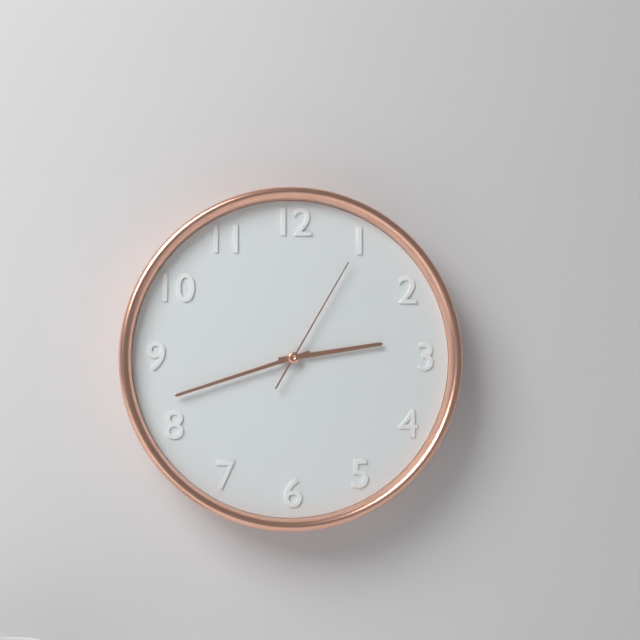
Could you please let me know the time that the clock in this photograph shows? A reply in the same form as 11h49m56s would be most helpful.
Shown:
2h42m05s
